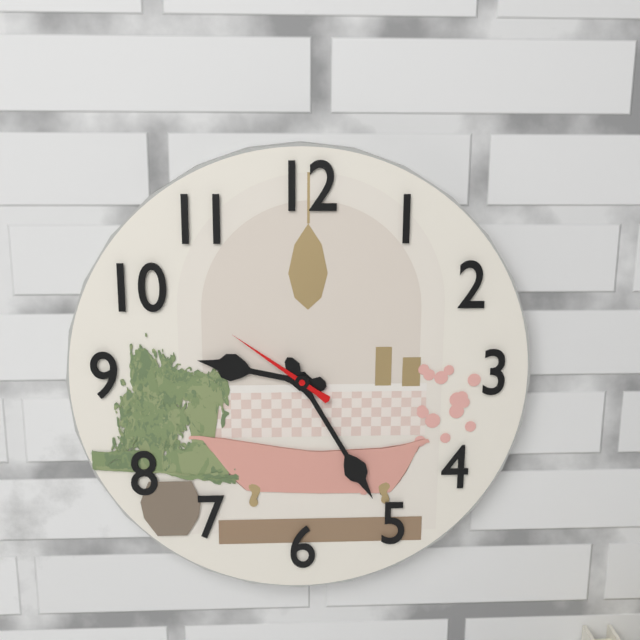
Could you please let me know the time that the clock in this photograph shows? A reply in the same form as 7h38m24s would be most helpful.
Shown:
9h25m51s
